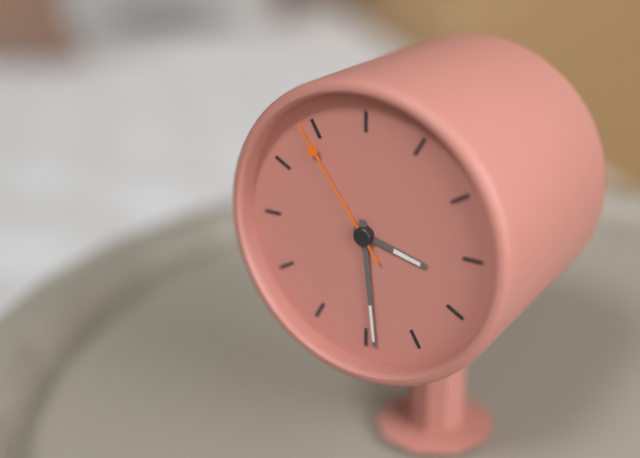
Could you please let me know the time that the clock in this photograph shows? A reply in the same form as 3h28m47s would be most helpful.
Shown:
3h29m54s
